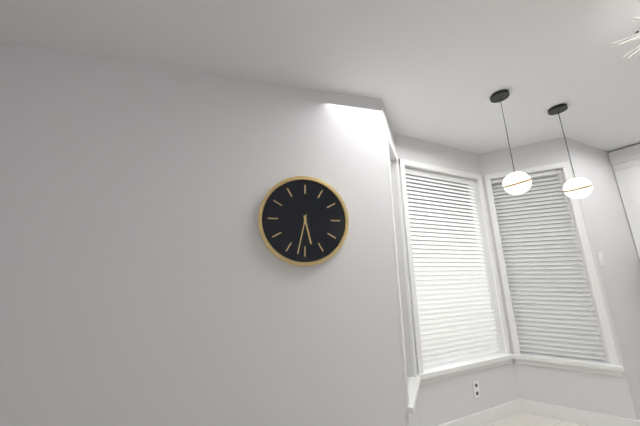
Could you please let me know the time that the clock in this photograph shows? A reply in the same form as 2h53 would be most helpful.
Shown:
5h32
